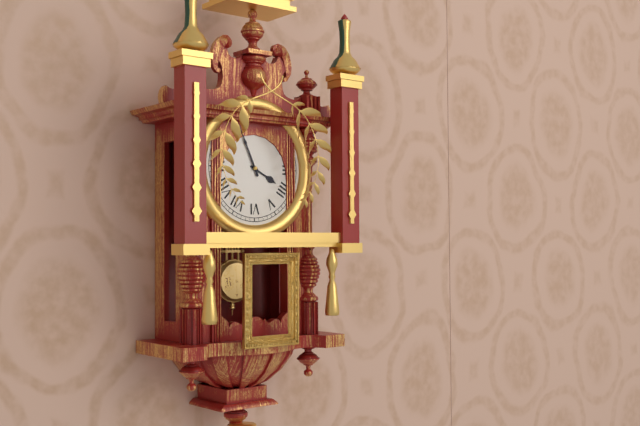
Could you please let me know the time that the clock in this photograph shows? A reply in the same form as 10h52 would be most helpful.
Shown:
3h56
